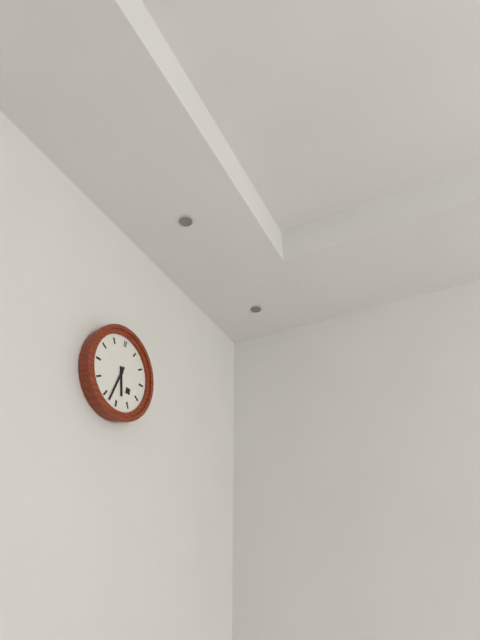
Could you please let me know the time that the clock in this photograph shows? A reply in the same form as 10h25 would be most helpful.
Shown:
5h33
